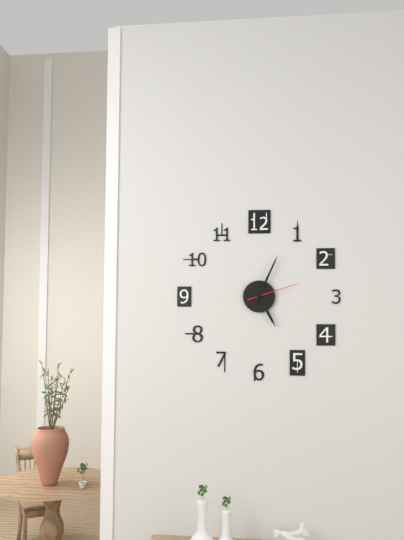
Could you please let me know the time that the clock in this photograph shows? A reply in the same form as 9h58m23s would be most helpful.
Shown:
5h04m12s
